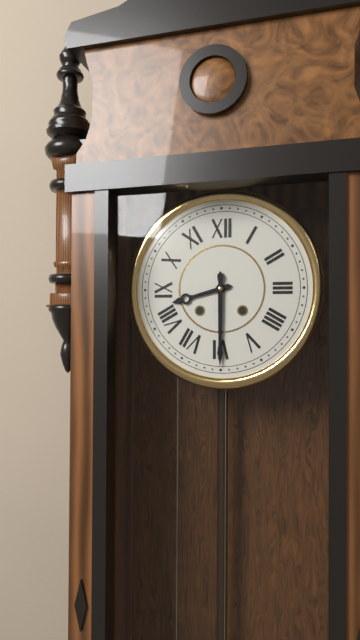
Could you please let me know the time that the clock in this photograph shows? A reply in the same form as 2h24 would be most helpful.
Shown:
8h30
